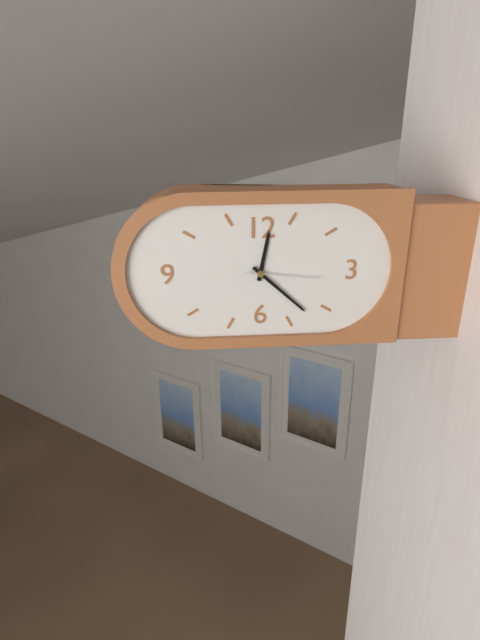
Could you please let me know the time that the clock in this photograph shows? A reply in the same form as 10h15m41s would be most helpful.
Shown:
12h22m16s
